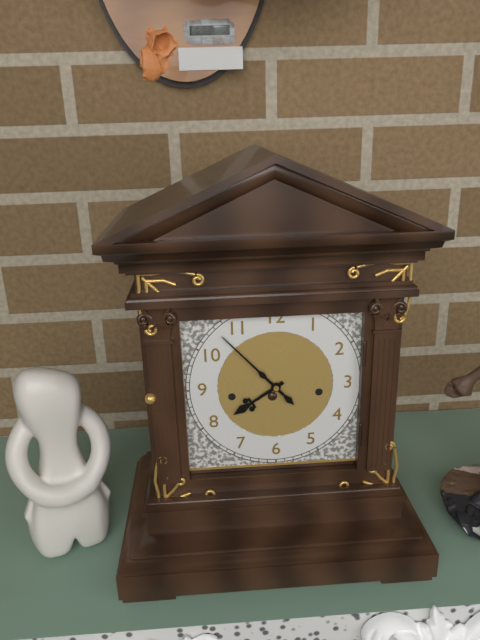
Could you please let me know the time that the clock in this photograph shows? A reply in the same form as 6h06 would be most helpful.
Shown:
7h53
